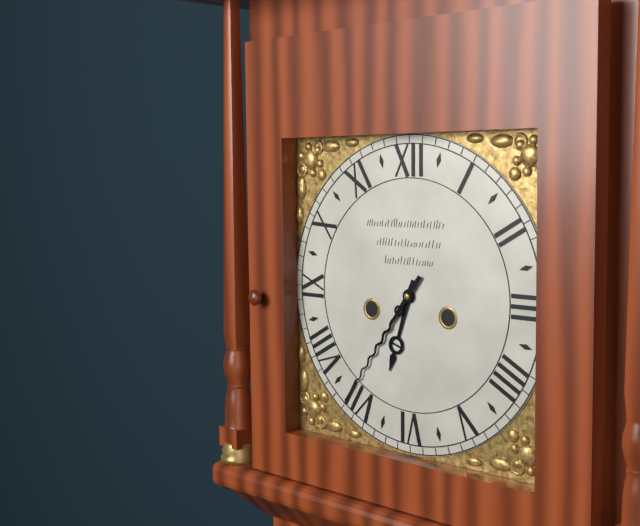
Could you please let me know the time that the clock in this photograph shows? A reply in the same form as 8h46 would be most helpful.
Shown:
6h36
